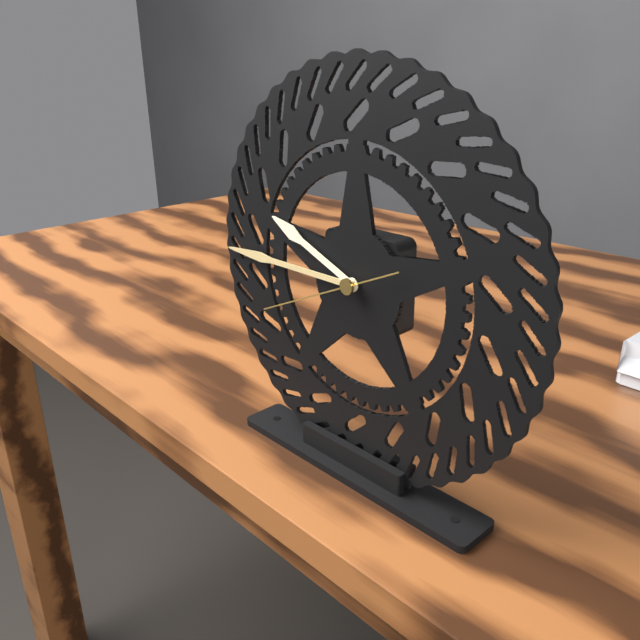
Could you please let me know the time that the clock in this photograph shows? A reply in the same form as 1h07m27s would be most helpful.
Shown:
9h45m41s
